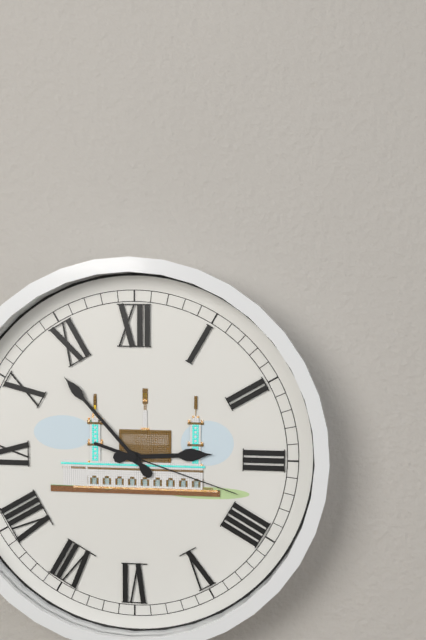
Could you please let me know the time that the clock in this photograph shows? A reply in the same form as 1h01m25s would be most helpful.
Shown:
2h53m18s
